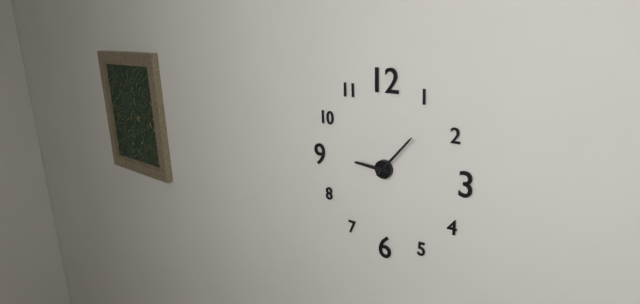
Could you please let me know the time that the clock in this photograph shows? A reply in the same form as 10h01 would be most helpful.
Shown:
9h07
